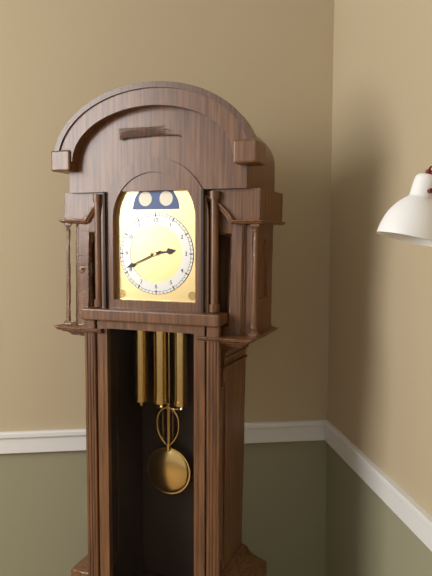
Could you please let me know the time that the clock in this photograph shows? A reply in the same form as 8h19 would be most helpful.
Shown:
2h41
